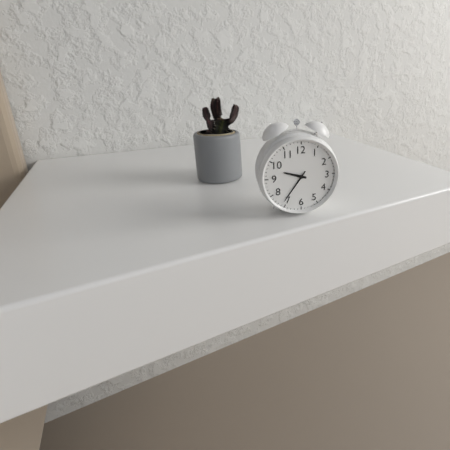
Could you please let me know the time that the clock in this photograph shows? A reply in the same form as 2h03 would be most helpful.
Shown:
9h36
